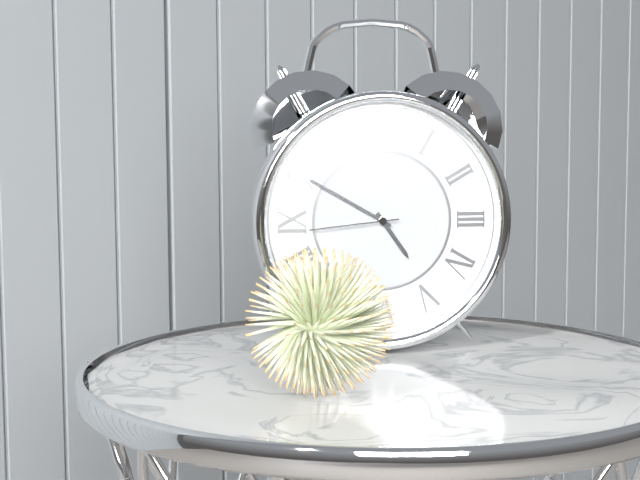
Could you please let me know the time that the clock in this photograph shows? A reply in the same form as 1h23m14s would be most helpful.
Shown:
4h50m44s
